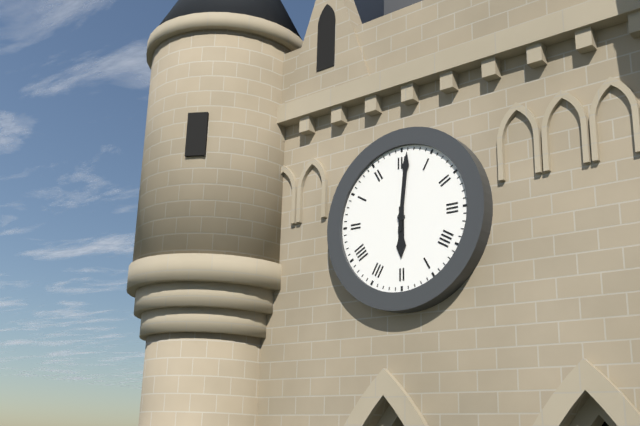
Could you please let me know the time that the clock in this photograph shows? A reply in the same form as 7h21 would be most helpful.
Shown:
6h01
